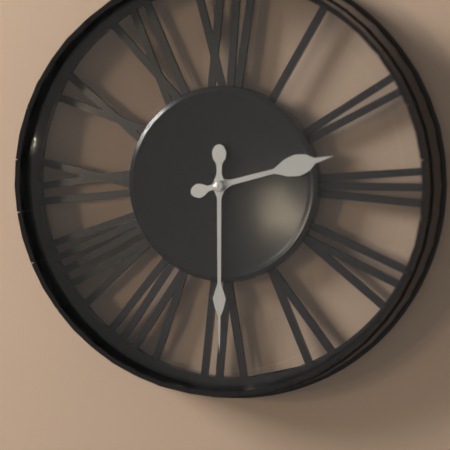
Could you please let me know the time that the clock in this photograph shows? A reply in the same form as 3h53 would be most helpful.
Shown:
2h30
